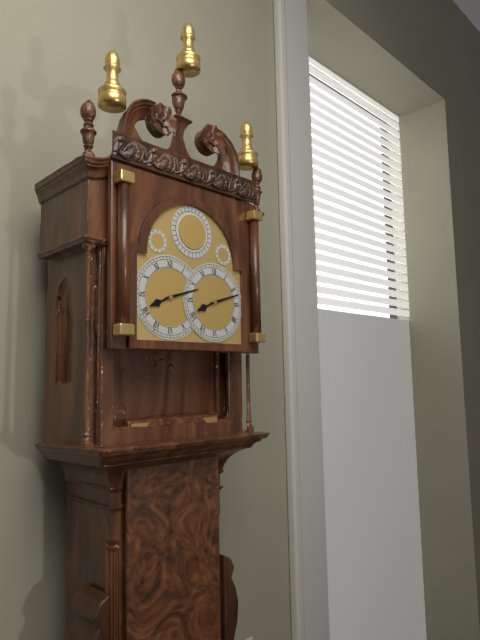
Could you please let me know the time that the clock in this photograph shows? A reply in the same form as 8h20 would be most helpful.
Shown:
8h12
